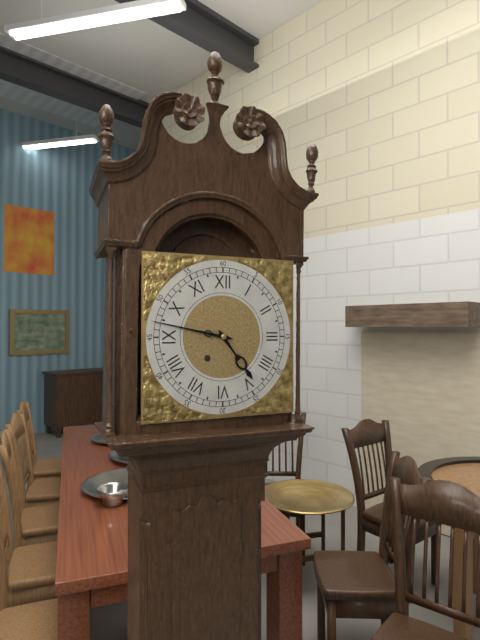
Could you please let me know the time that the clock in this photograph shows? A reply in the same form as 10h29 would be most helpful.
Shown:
4h47
